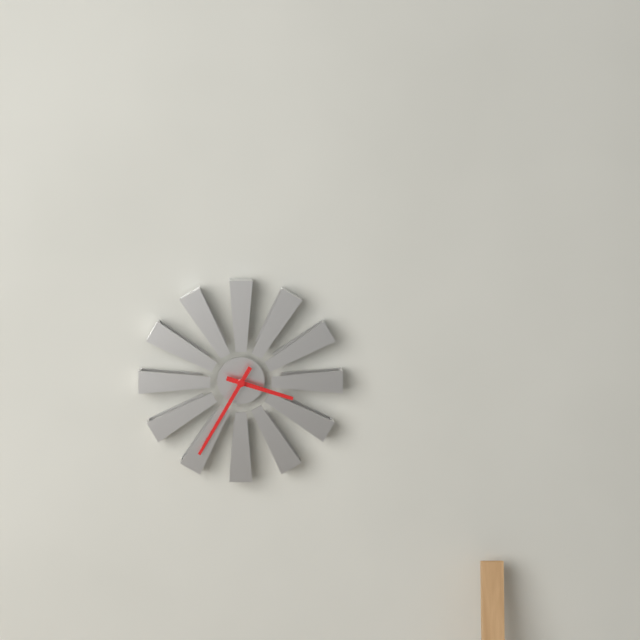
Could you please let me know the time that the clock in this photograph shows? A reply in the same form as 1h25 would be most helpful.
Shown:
3h35
